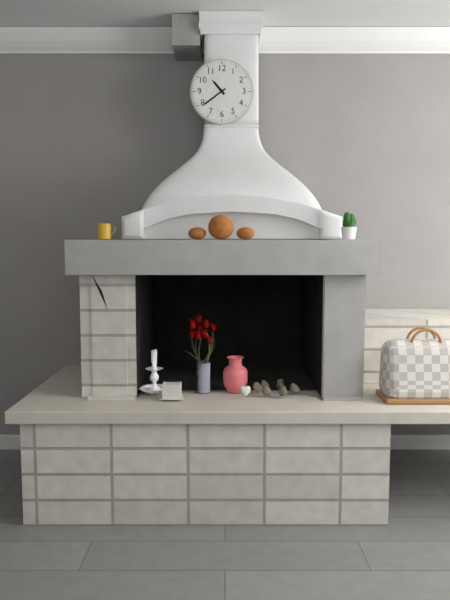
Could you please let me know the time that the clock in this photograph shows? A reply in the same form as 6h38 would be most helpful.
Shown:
10h39
